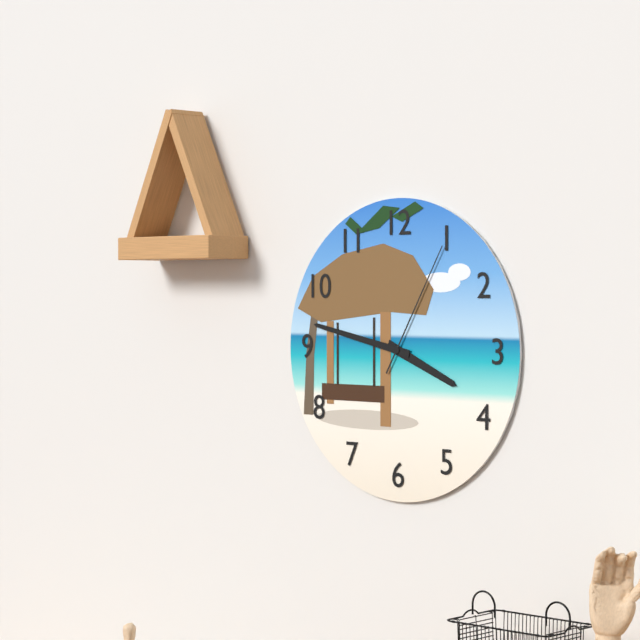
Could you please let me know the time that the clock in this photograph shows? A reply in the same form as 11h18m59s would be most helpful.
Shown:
3h47m05s
